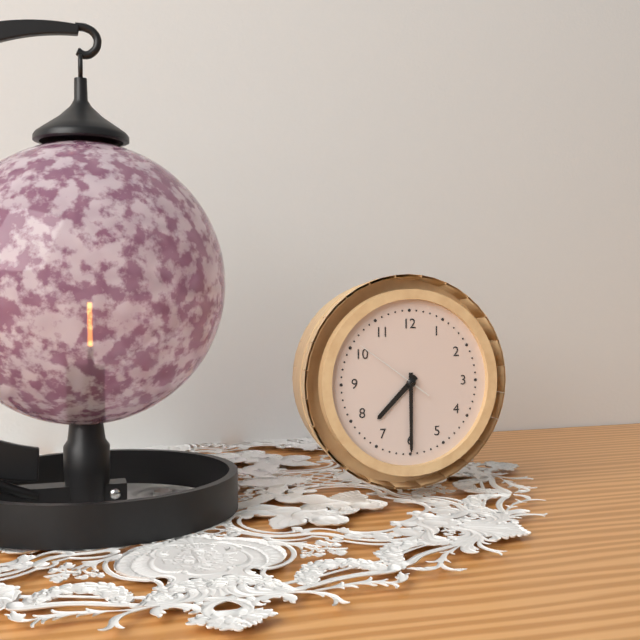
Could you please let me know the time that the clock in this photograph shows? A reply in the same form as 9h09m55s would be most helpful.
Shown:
7h30m51s
